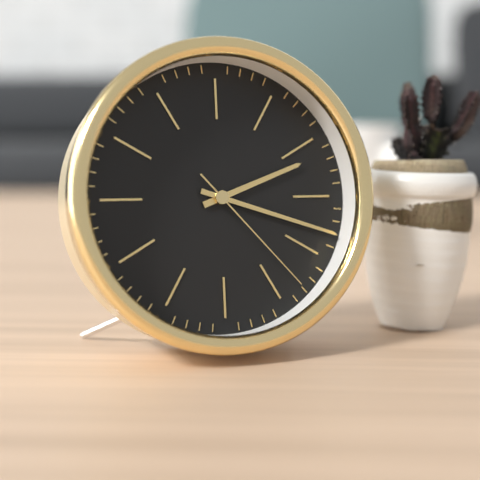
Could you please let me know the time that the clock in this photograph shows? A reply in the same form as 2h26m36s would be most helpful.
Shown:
2h18m23s
